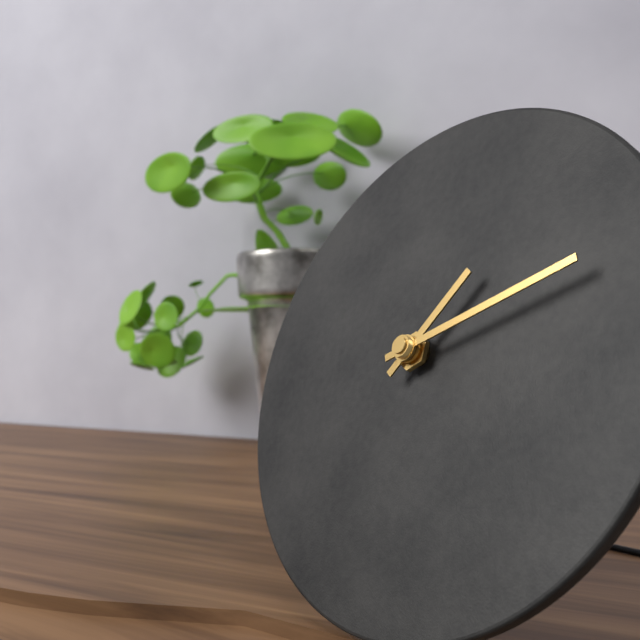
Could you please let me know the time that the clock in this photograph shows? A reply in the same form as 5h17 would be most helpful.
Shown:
1h11
